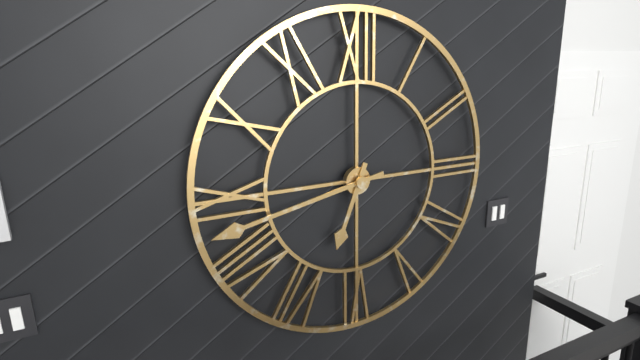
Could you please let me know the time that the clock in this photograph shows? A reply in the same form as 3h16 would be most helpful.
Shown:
6h43
